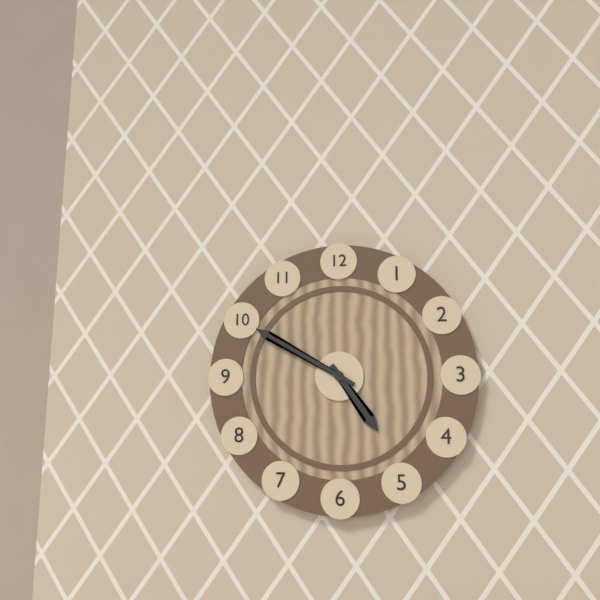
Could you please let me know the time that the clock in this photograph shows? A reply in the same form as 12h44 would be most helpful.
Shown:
4h50
